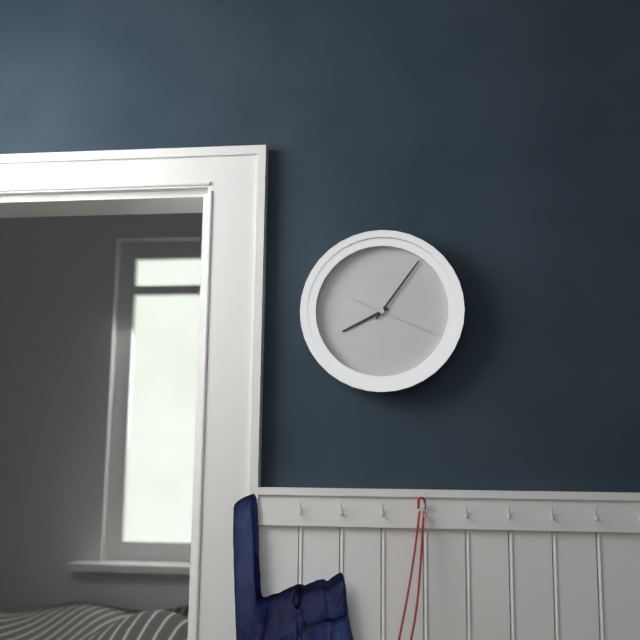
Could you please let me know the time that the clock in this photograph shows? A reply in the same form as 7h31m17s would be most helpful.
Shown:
8h06m19s
